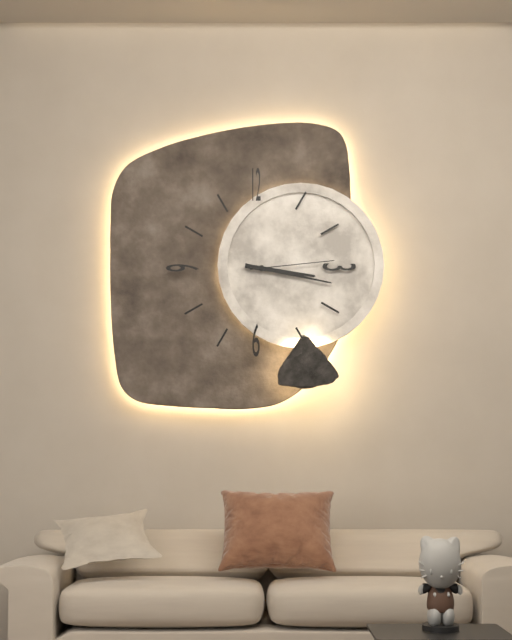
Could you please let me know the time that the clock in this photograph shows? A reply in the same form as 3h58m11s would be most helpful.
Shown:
3h17m14s
